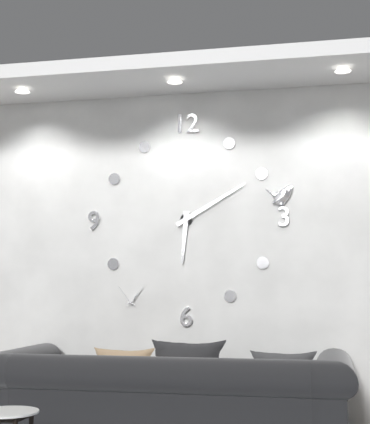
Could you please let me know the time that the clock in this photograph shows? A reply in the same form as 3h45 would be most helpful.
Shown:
6h10
